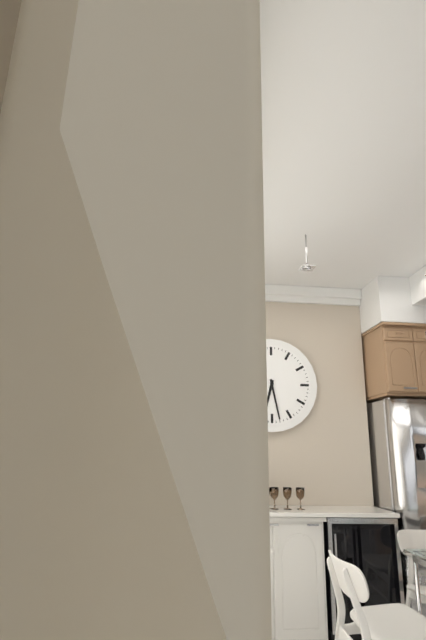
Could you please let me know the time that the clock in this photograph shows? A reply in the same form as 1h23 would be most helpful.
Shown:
6h28
